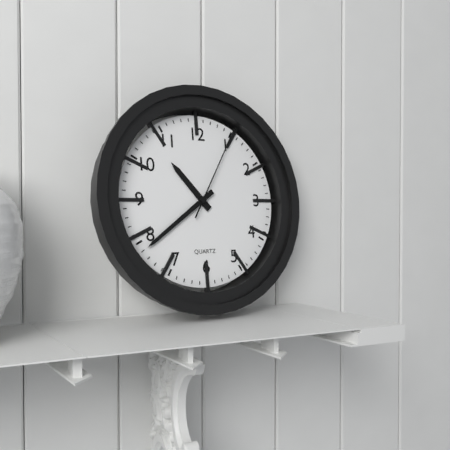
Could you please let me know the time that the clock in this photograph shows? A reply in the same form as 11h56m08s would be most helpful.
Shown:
10h39m05s
